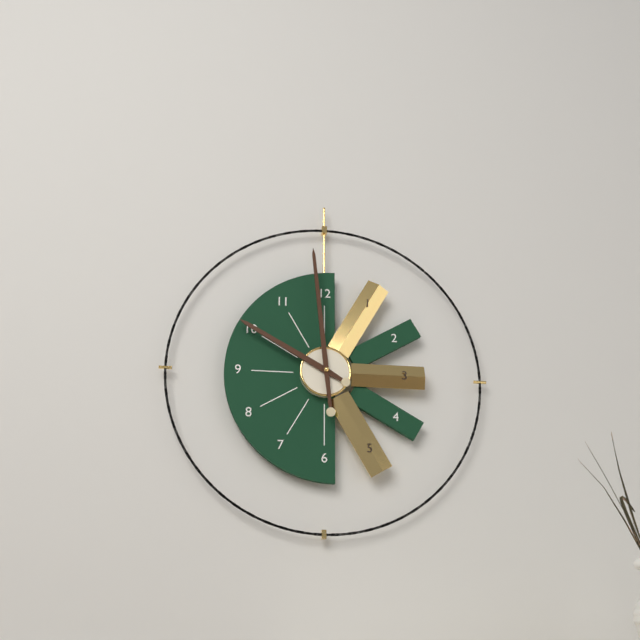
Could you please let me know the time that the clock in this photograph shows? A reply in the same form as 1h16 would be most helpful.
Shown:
9h59
